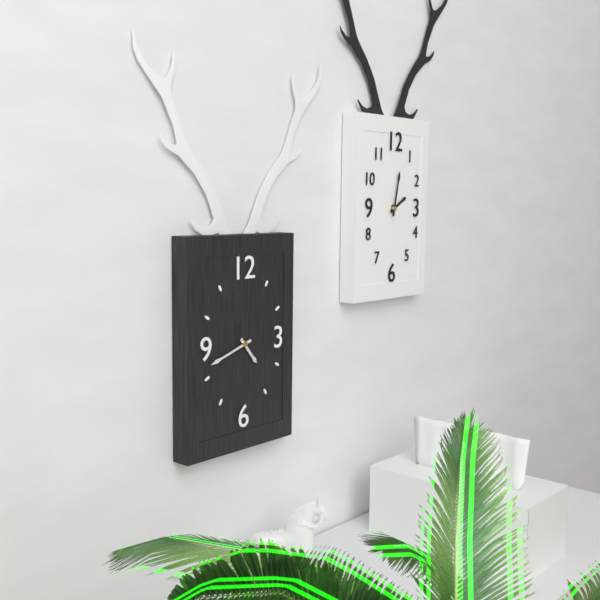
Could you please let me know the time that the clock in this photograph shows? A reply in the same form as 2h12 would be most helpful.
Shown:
4h42
